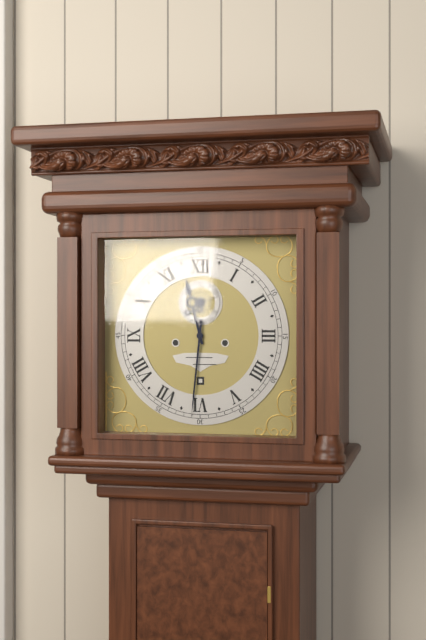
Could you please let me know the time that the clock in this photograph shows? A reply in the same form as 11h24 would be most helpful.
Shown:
11h31
